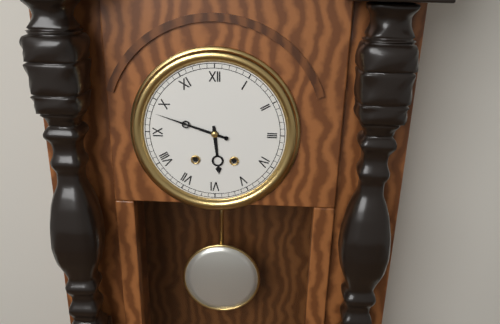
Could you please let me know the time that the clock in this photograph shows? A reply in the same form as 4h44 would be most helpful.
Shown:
5h48
